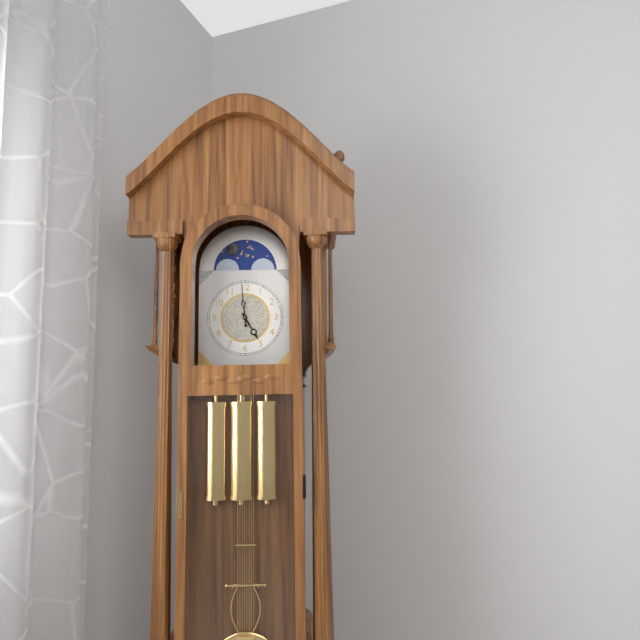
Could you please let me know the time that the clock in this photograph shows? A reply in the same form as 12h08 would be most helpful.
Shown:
4h59
